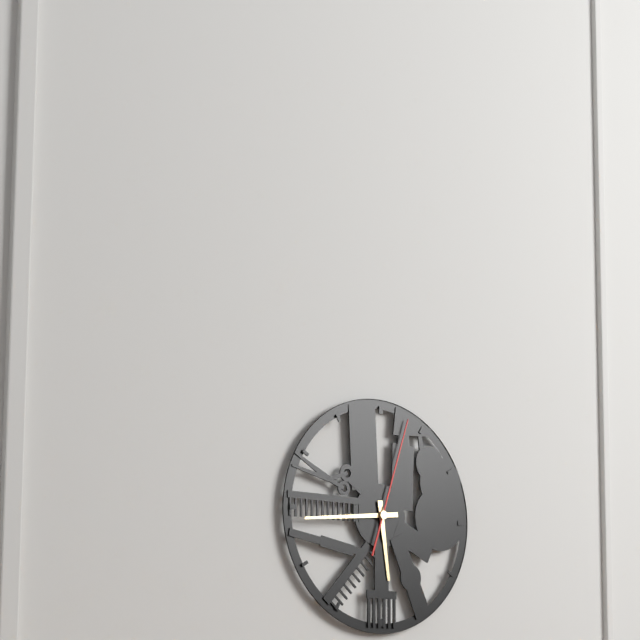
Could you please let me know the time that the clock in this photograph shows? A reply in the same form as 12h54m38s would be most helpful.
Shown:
5h44m03s
